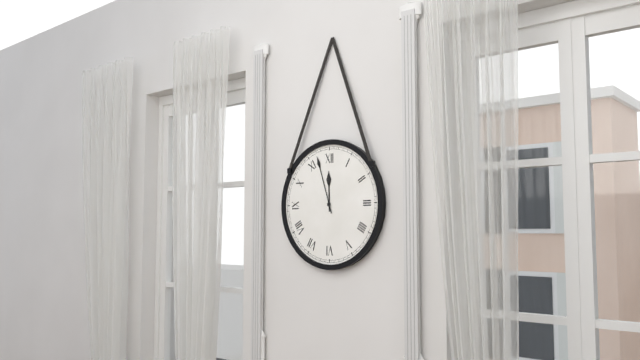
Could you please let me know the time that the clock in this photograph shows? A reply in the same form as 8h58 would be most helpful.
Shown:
11h57
